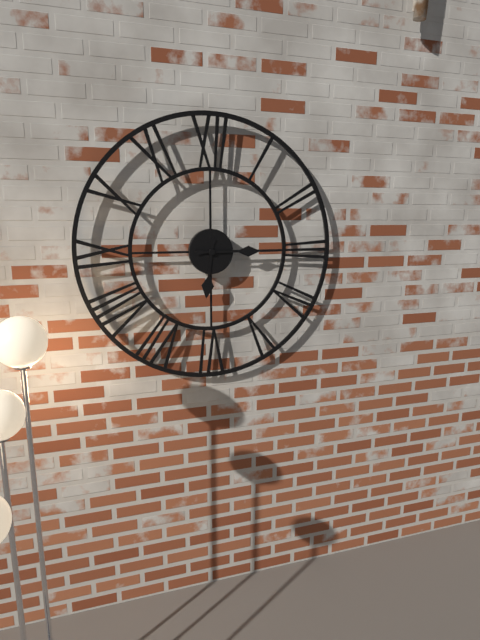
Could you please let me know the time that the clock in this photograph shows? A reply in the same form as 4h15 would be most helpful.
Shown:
6h15
